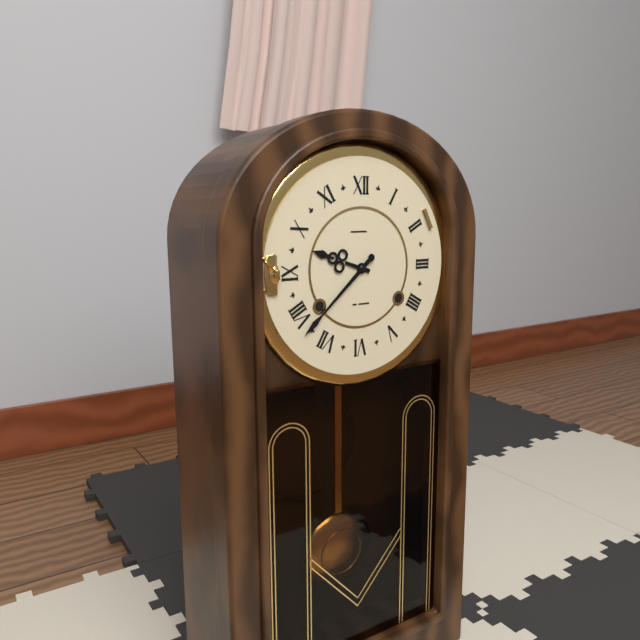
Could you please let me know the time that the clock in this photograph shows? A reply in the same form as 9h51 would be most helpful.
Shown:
9h38
